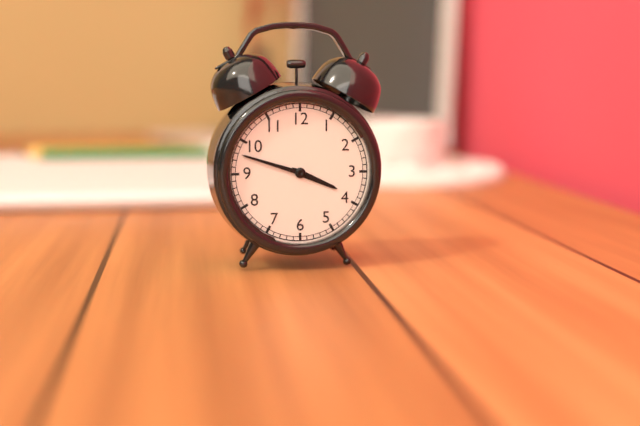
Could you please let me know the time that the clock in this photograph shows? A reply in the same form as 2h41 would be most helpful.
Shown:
3h48
